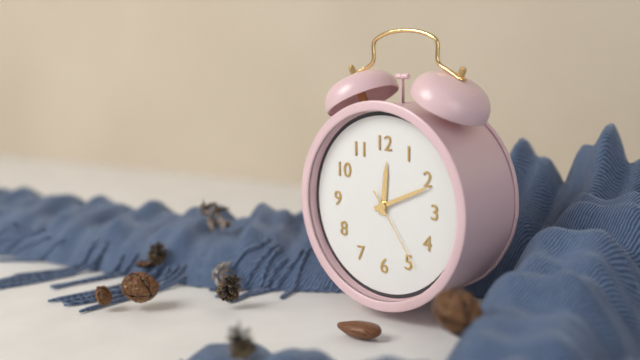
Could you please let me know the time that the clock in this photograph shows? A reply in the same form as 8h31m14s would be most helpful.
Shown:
12h11m24s
